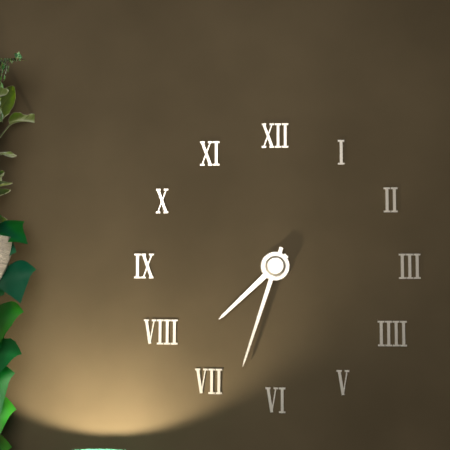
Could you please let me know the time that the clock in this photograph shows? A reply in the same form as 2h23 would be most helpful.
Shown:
7h33
